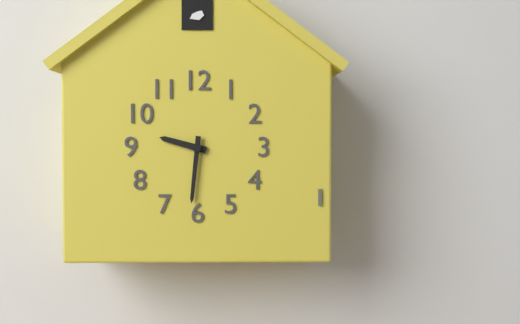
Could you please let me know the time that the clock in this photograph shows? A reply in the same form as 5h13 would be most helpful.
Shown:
9h31
